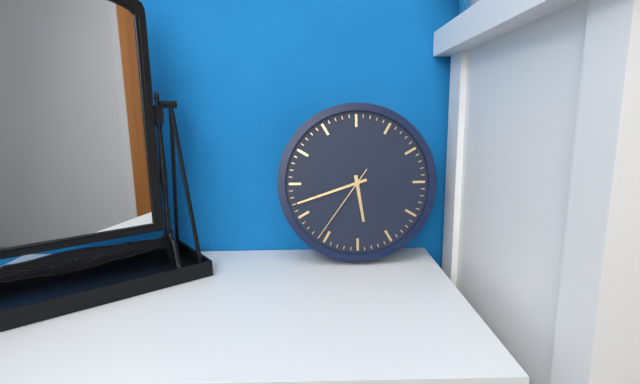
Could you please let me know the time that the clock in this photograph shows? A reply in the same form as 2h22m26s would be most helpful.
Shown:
5h42m36s
